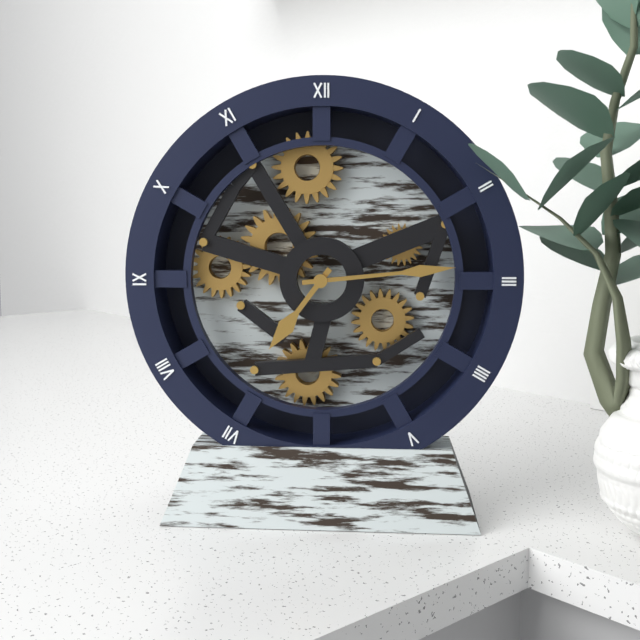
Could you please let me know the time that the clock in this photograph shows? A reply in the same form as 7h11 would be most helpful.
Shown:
7h14
